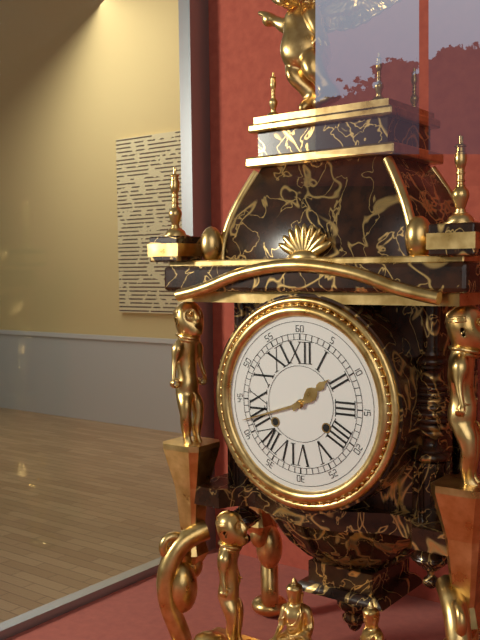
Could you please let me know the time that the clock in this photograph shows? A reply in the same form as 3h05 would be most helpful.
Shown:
1h42
